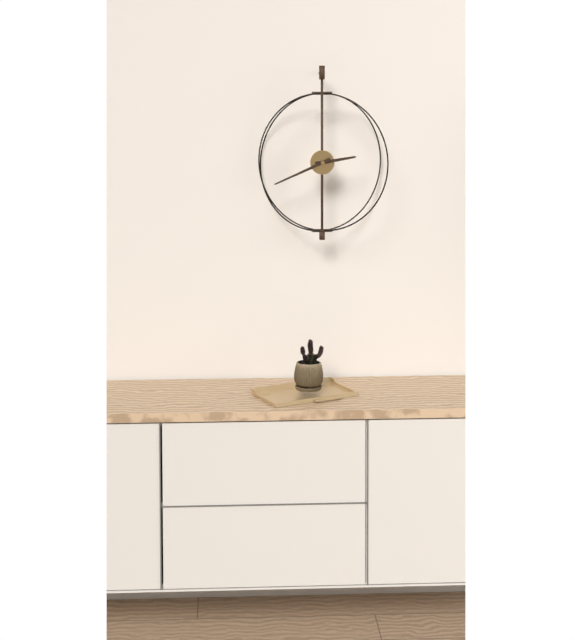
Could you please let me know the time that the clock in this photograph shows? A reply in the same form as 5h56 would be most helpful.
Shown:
2h41
